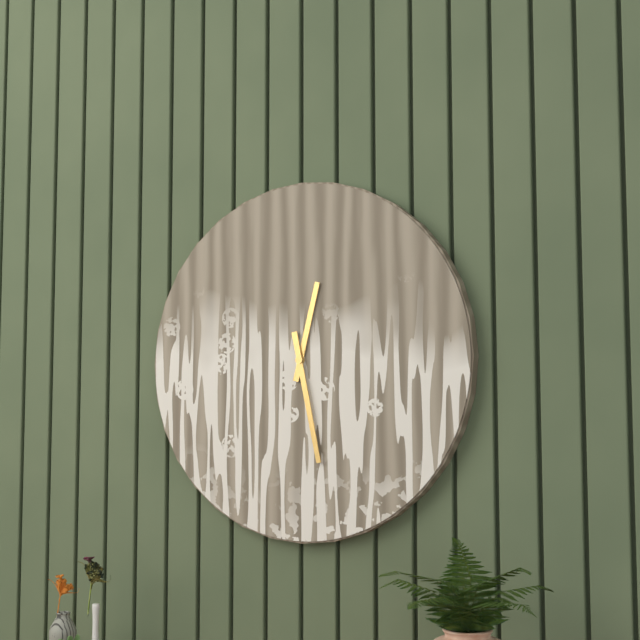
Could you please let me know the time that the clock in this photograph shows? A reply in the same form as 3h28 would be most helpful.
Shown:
12h28
